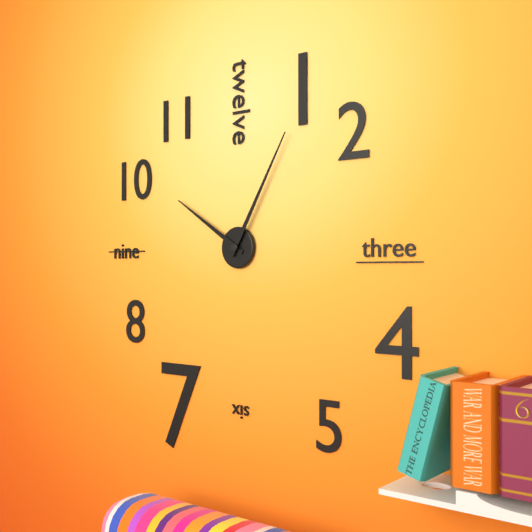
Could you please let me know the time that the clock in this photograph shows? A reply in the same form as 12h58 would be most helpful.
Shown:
10h05
